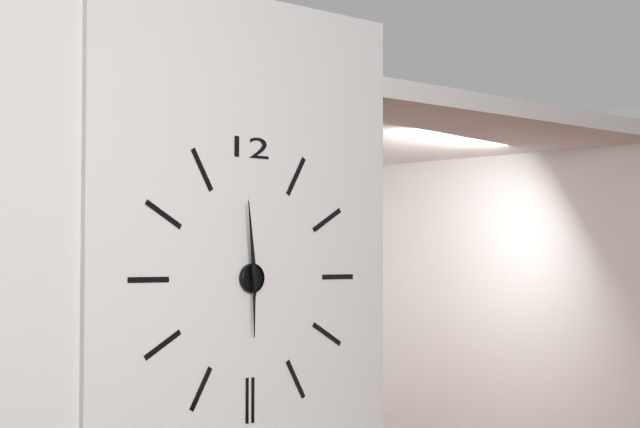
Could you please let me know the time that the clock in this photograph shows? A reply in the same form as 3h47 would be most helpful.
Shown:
5h59
